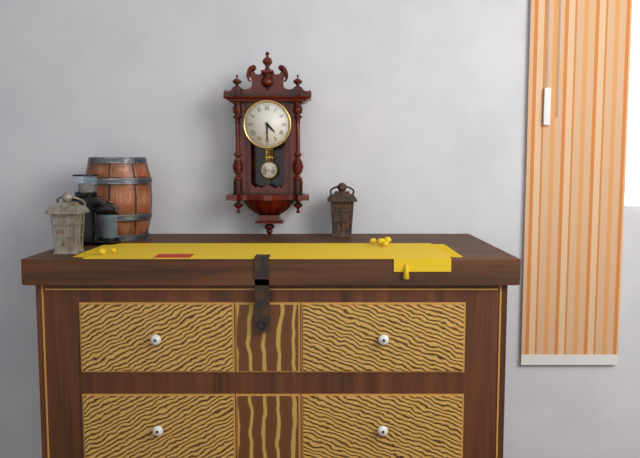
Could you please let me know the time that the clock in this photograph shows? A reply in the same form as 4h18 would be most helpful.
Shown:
4h30
